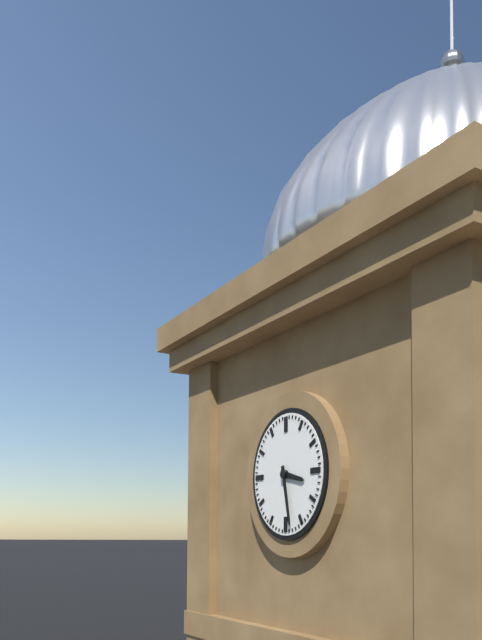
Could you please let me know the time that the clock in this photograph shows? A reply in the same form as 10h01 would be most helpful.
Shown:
3h28
